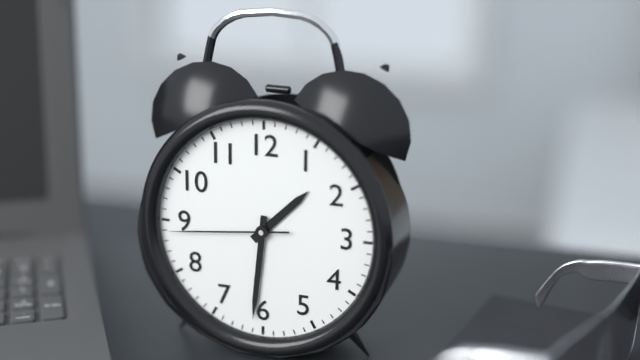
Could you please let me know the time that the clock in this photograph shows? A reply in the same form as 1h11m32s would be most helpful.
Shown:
1h31m44s
